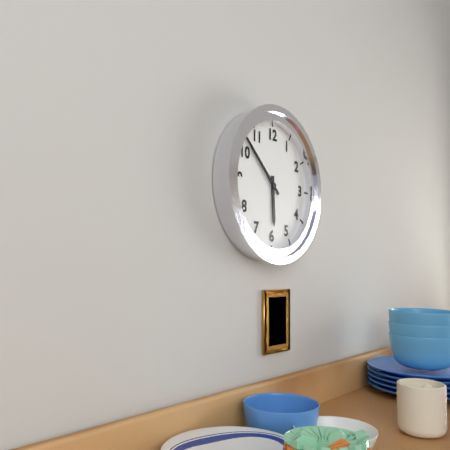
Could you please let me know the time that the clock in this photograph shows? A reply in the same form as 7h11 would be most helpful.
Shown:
5h52
